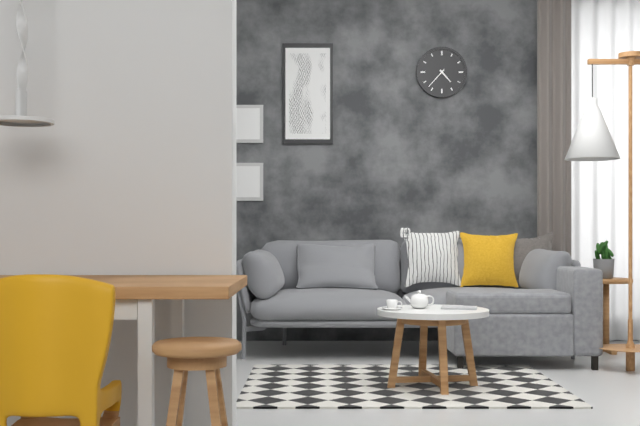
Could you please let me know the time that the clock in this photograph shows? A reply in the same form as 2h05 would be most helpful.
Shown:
4h37
